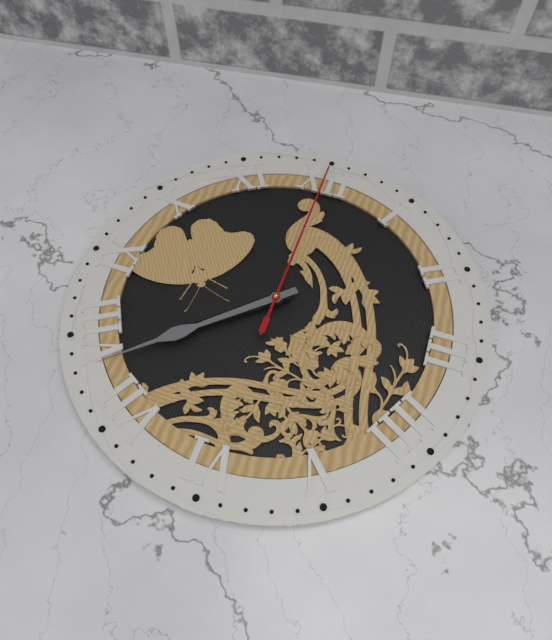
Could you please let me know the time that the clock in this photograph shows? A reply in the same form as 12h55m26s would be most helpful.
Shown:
7h38m00s
